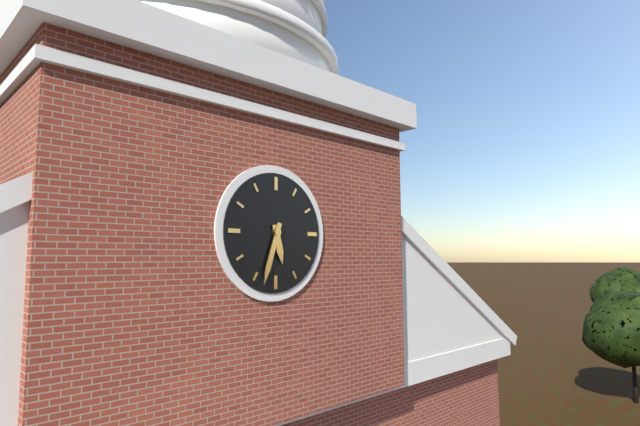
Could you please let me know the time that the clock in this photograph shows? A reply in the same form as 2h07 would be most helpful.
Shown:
5h33
